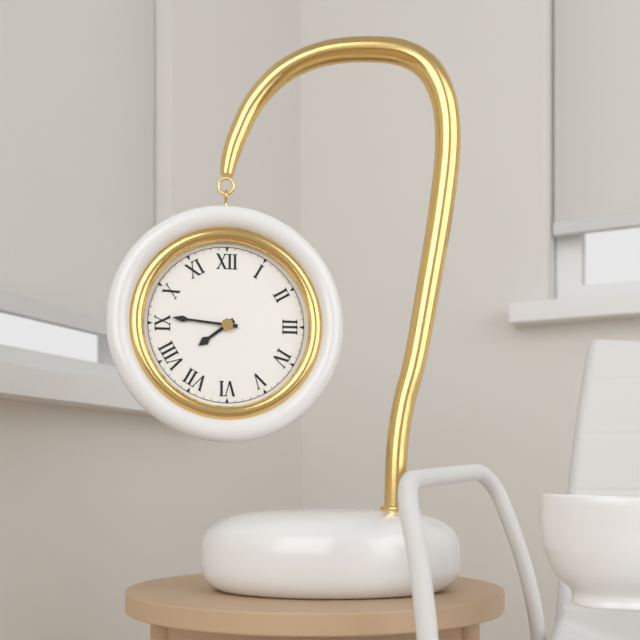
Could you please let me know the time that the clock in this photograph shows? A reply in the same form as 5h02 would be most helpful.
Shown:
7h46
